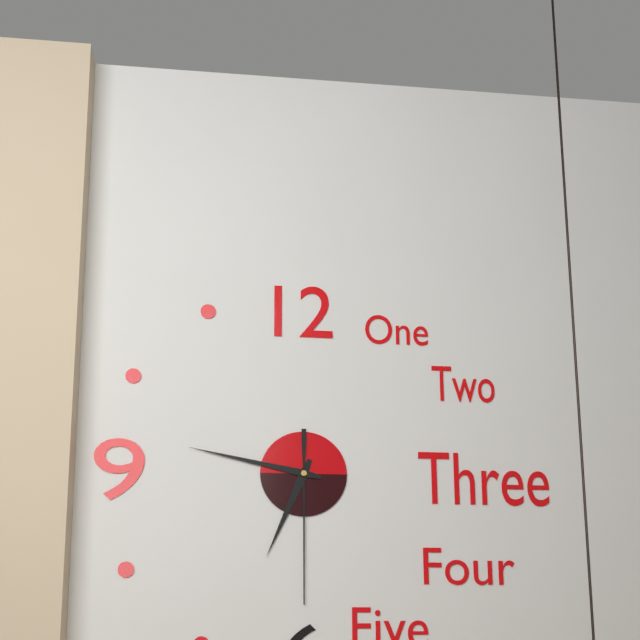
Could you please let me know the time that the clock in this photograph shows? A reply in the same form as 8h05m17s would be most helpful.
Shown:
6h47m30s
